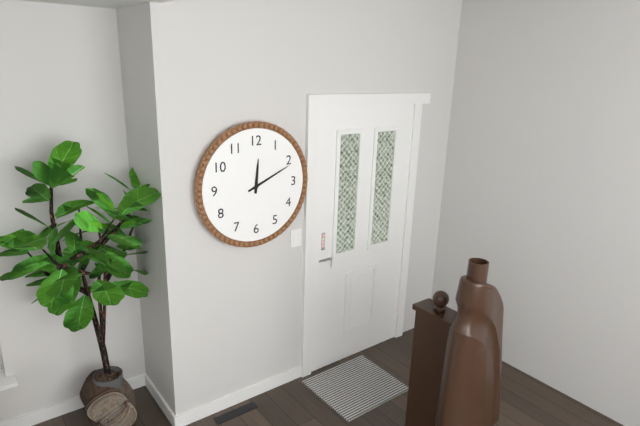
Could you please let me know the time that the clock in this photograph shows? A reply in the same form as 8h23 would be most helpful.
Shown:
12h11
